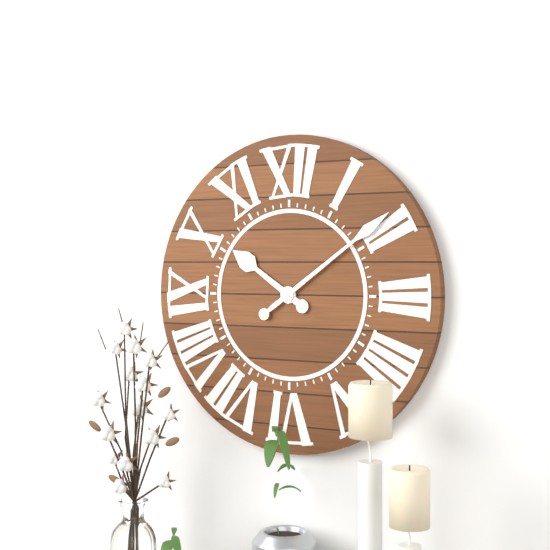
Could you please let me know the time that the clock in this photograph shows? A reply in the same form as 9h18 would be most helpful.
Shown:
10h09
